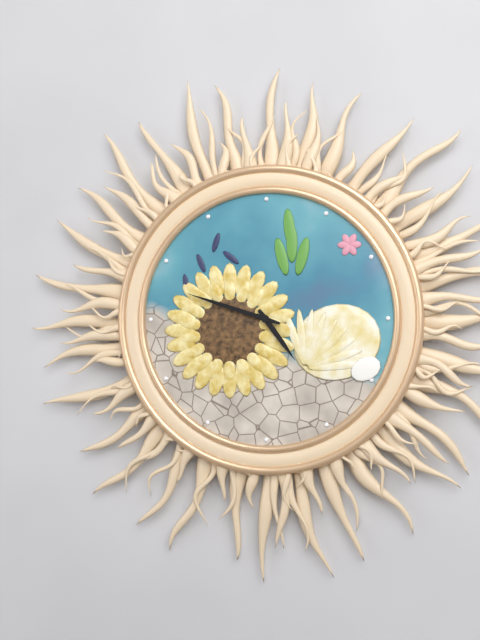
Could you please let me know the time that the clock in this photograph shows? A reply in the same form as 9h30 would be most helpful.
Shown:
4h48
